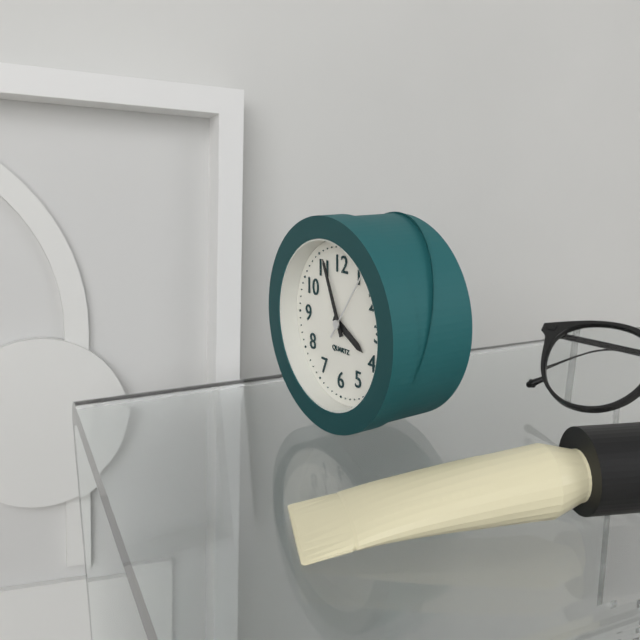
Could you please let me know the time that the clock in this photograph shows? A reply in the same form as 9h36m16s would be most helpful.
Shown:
3h56m06s
